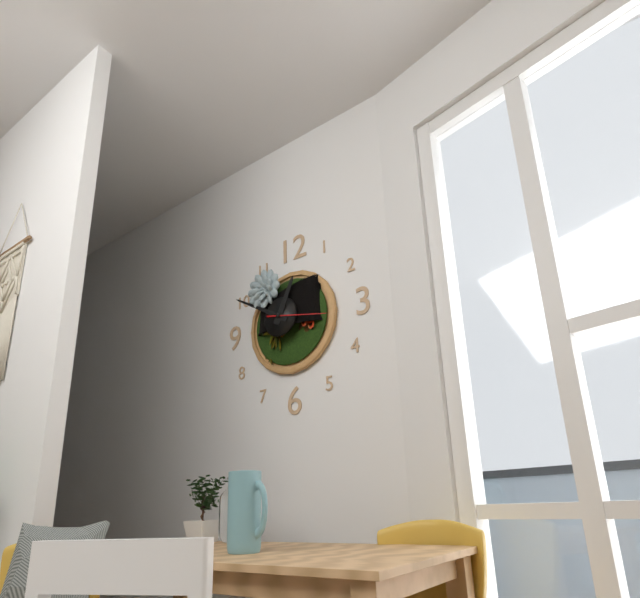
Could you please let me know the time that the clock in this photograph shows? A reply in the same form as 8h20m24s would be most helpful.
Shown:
12h50m17s
